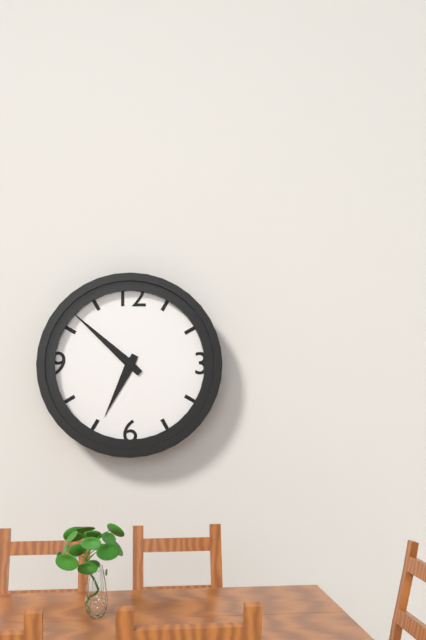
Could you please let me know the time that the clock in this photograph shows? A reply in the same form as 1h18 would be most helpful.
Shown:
6h52
